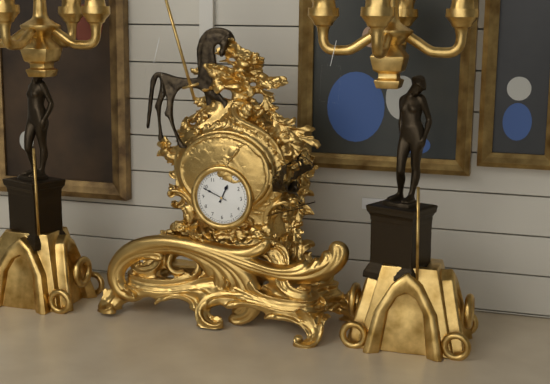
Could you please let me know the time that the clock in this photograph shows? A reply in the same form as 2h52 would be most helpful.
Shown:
12h49
